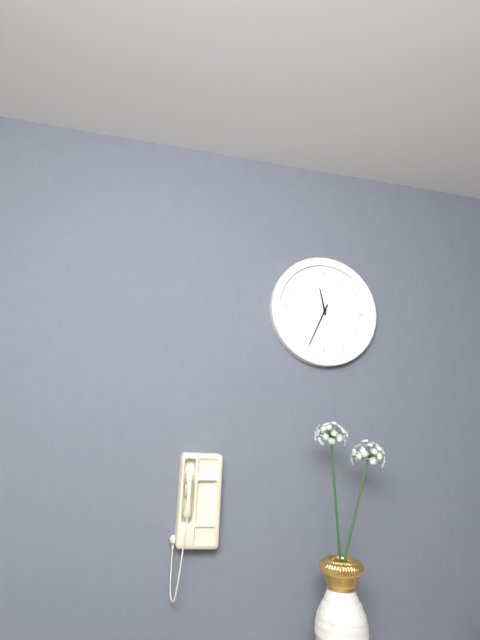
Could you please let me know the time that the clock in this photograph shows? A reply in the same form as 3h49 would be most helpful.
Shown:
11h34
